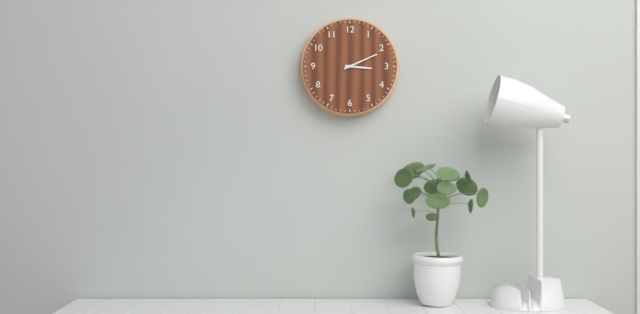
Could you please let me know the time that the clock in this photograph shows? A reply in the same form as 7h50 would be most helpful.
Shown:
3h11
